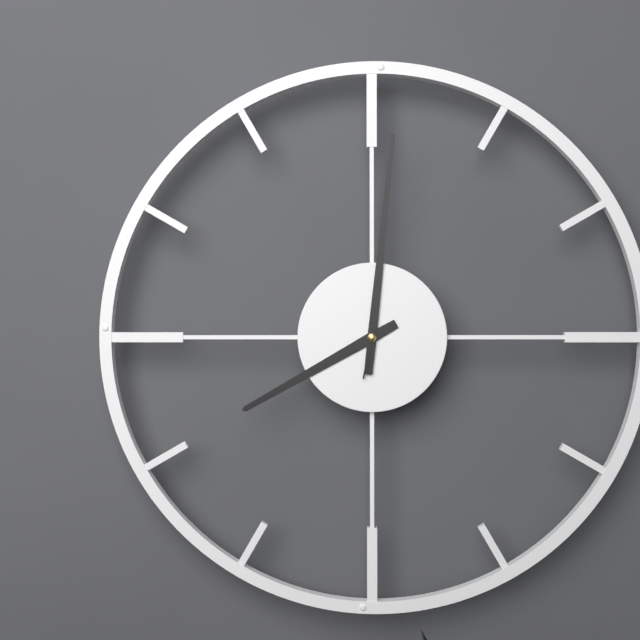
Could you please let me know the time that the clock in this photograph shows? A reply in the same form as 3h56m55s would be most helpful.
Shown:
8h01m32s
